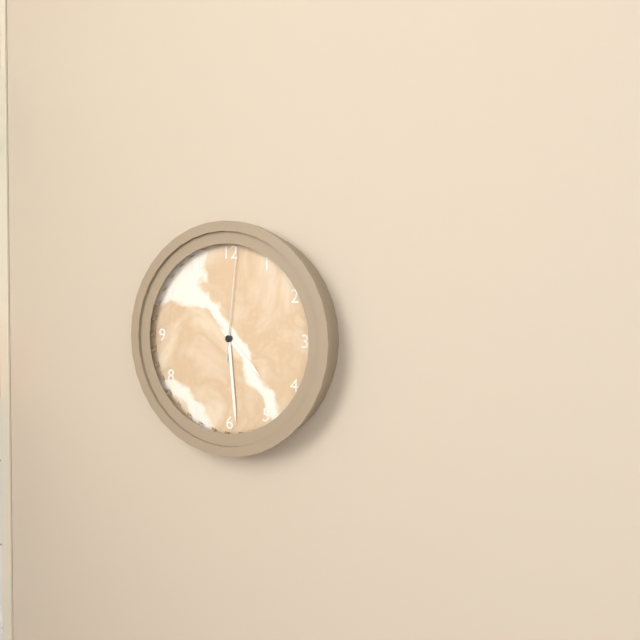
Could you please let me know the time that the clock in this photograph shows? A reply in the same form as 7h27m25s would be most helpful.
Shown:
4h29m01s
